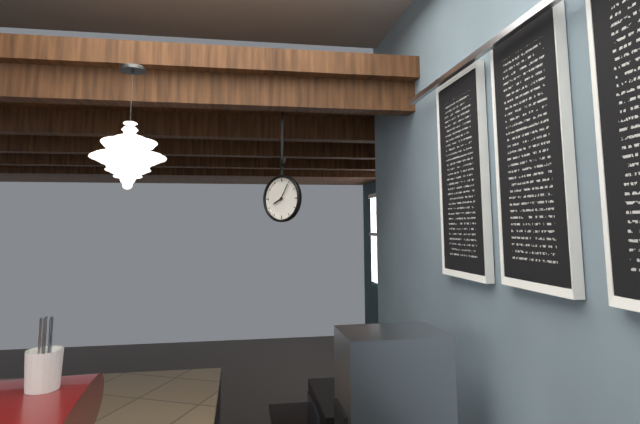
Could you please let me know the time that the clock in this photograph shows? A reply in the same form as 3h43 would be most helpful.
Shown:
8h05
